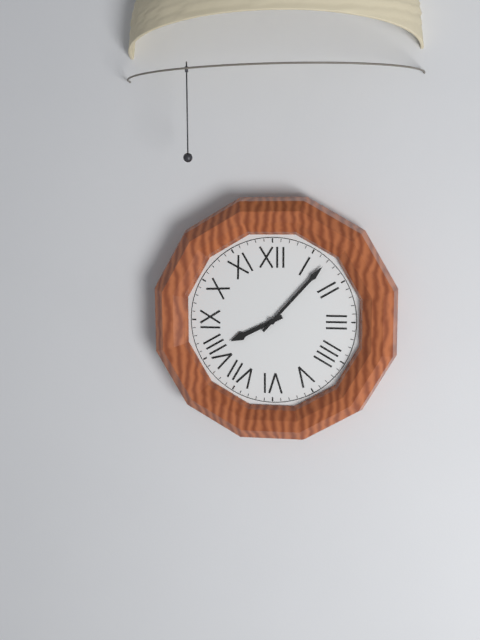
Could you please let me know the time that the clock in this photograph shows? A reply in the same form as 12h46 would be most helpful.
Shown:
8h07
